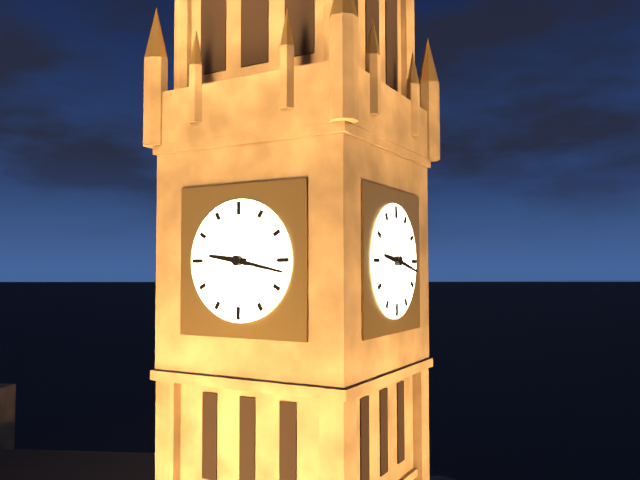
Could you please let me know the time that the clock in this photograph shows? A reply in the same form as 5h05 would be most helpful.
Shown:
9h17
